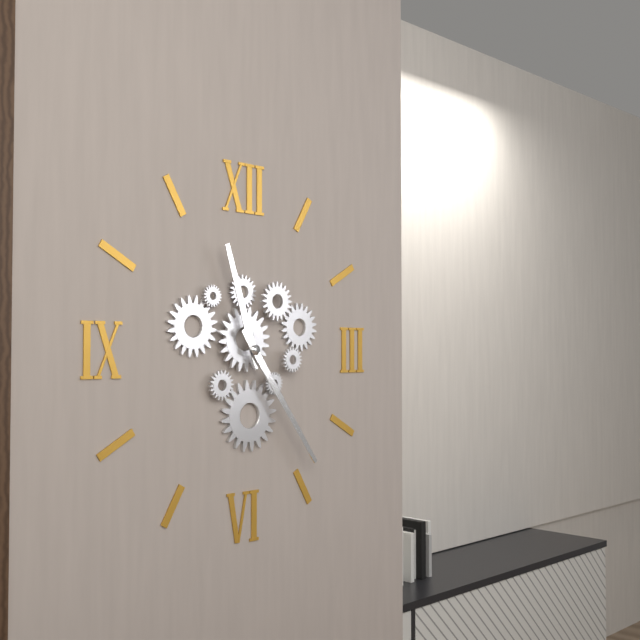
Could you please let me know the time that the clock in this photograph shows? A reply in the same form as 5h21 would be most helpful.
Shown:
11h24
